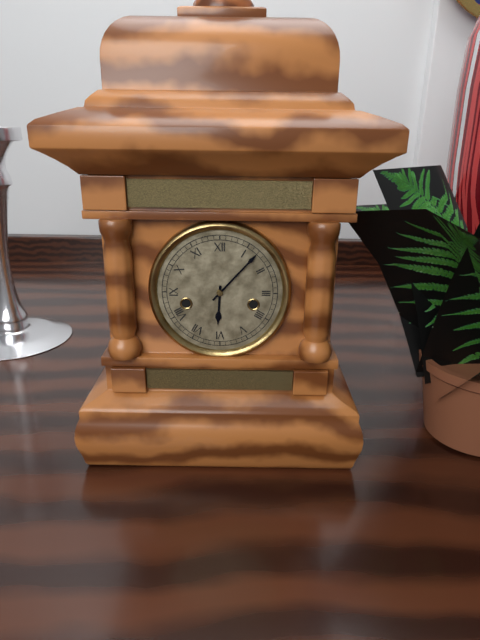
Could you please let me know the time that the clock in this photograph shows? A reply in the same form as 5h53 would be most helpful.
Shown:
6h07
